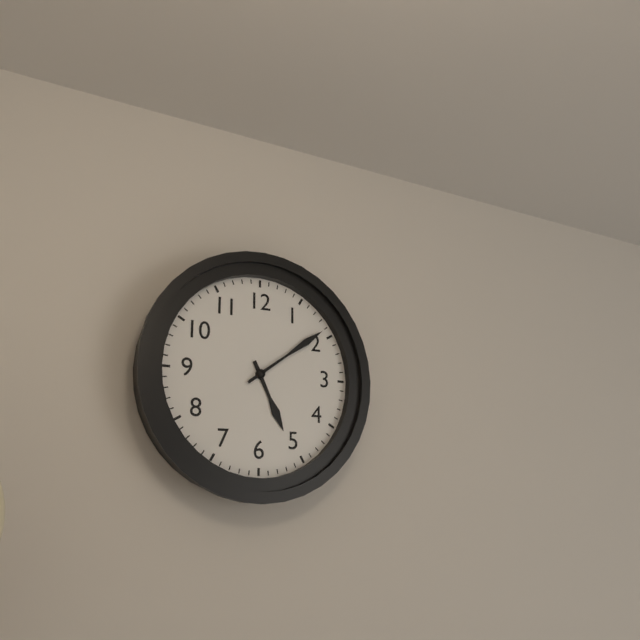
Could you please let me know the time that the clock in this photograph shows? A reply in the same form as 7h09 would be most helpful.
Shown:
5h09
